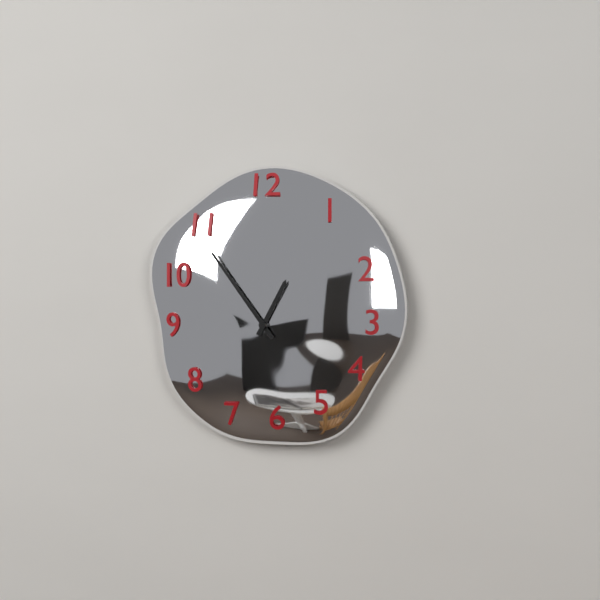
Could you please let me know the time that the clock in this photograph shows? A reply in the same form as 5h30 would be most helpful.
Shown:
12h54
